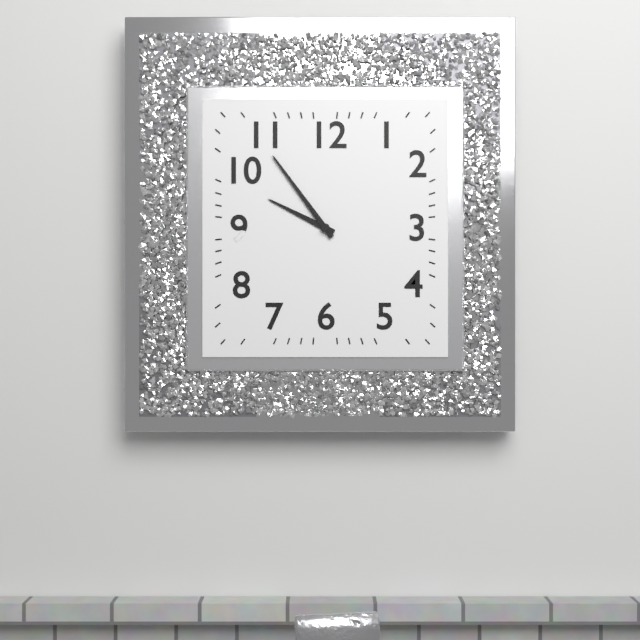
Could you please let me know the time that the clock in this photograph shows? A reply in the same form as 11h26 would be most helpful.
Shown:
9h54
